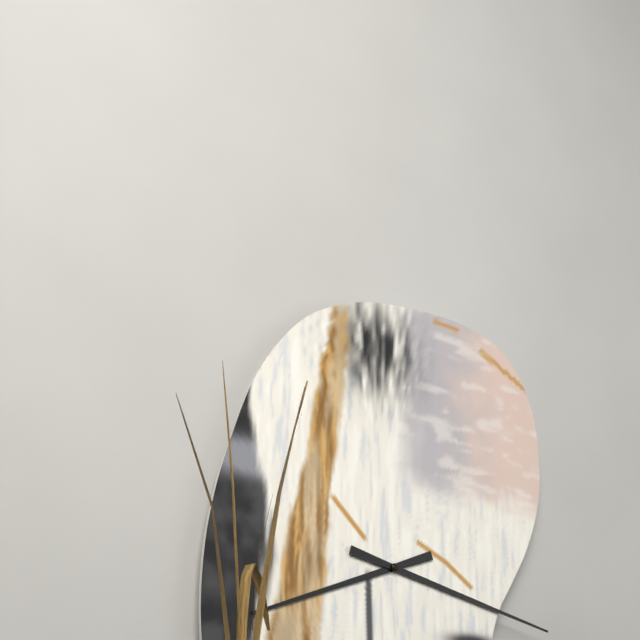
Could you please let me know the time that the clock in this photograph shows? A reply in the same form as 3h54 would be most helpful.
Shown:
8h17
